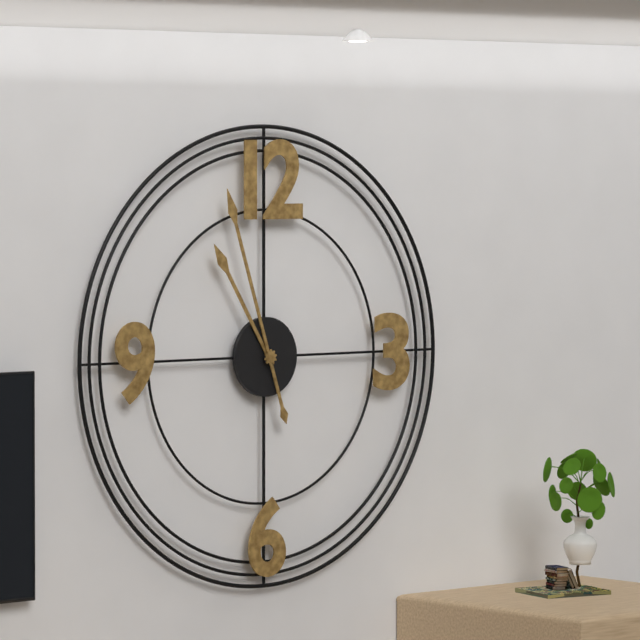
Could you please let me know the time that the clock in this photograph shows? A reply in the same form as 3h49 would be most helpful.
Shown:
10h57
